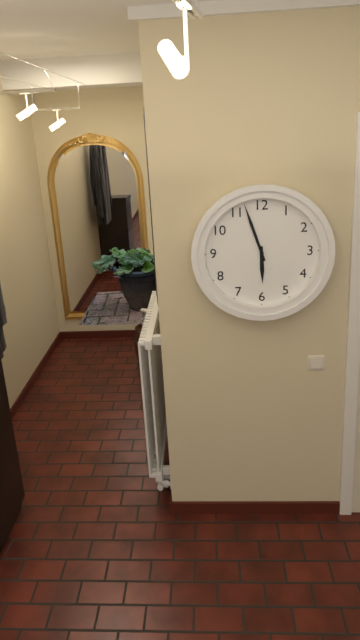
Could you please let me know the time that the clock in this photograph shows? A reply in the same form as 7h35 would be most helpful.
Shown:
5h57
